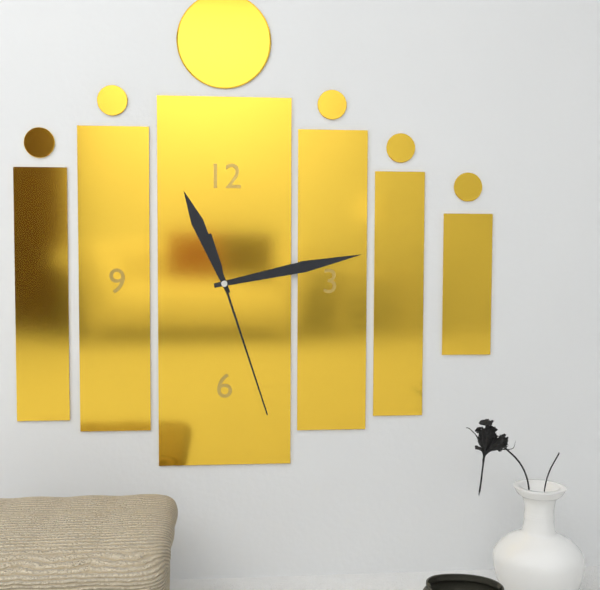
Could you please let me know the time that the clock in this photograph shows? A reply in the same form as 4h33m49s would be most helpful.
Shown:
11h13m27s
